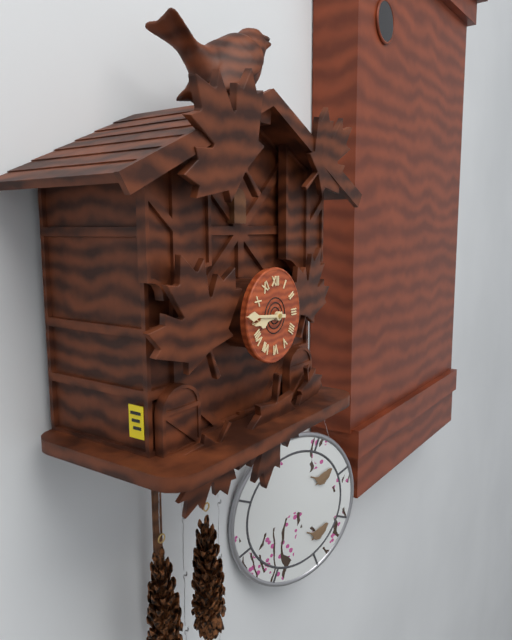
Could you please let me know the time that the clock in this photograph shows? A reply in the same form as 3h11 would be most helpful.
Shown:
8h46
